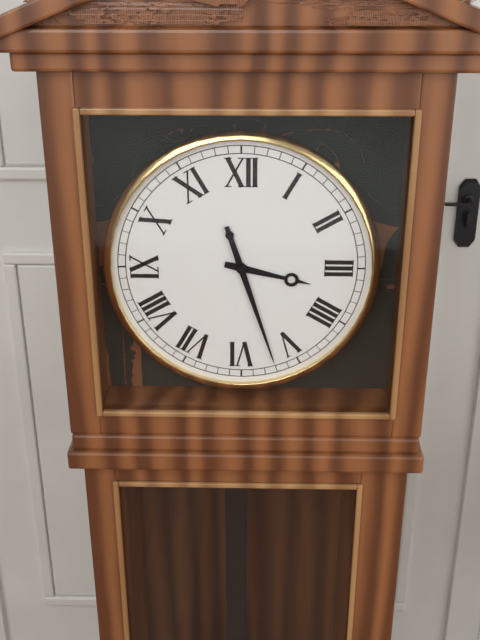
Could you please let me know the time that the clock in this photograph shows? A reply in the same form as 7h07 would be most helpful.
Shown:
3h27
